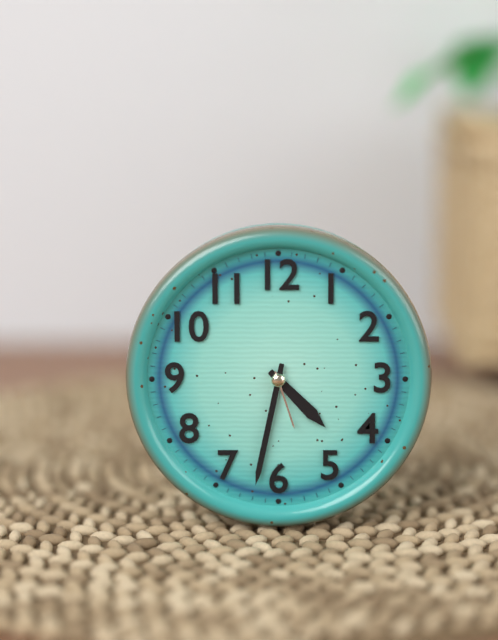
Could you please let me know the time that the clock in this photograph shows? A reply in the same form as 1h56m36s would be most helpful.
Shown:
4h32m27s
